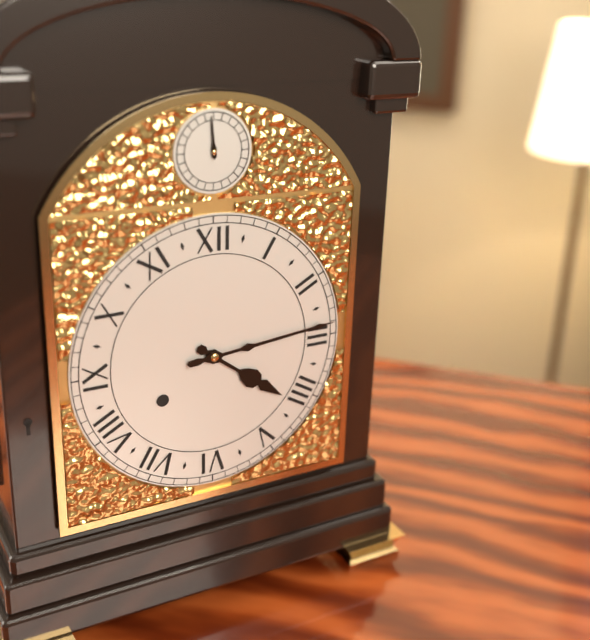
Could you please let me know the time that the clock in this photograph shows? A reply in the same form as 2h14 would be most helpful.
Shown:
4h14
